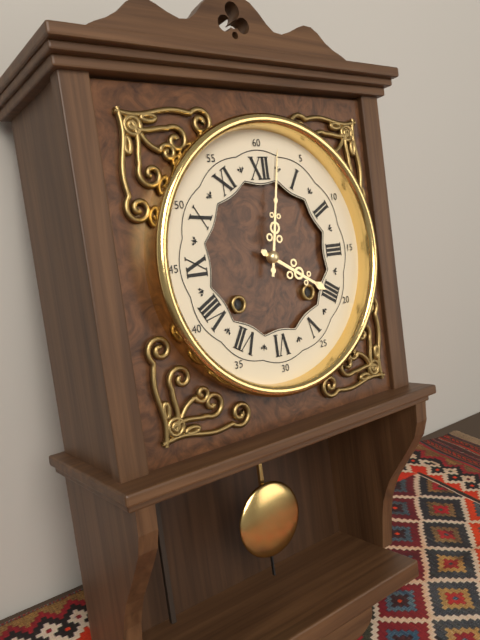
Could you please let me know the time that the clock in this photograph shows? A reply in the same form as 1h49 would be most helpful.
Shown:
4h02
